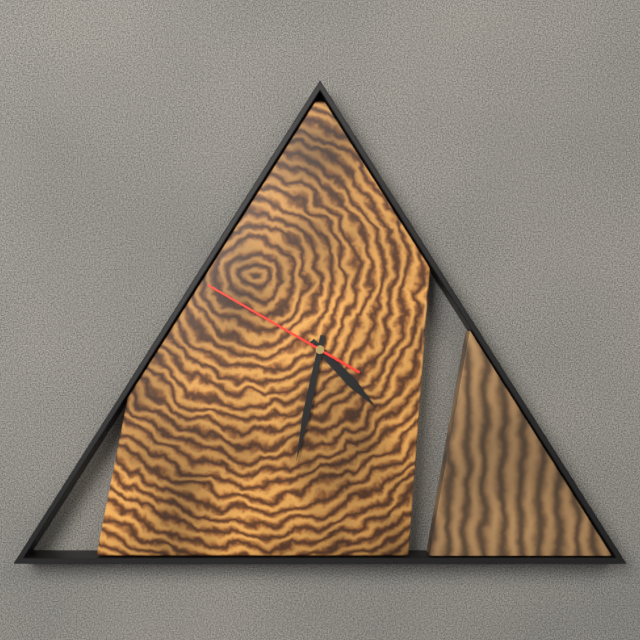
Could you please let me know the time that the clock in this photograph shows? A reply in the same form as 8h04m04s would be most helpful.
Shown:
4h32m50s
